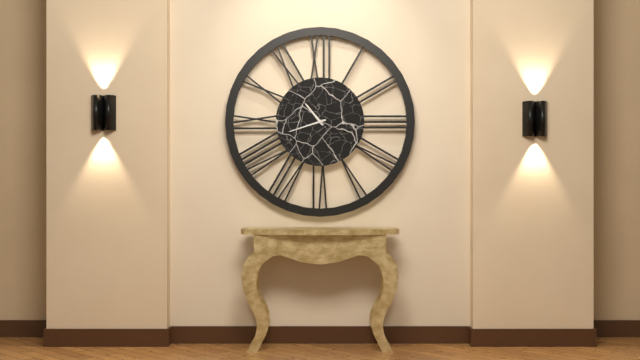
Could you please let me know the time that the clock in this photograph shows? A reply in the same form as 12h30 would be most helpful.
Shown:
10h42
